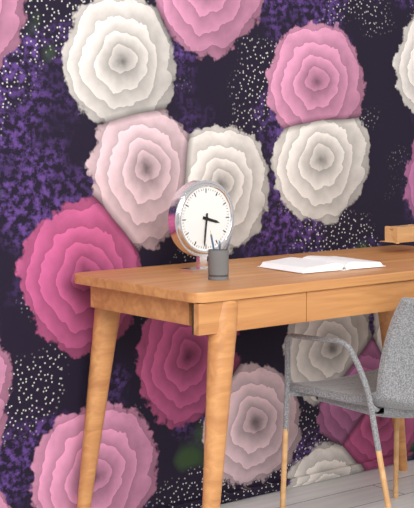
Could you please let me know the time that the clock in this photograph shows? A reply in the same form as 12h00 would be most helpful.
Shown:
3h31
